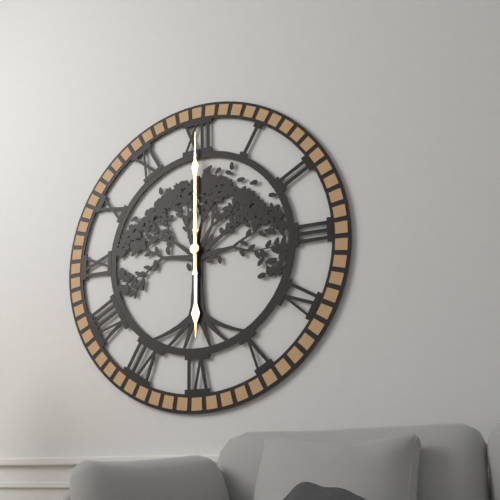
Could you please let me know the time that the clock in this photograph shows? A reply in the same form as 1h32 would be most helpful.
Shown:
6h00
